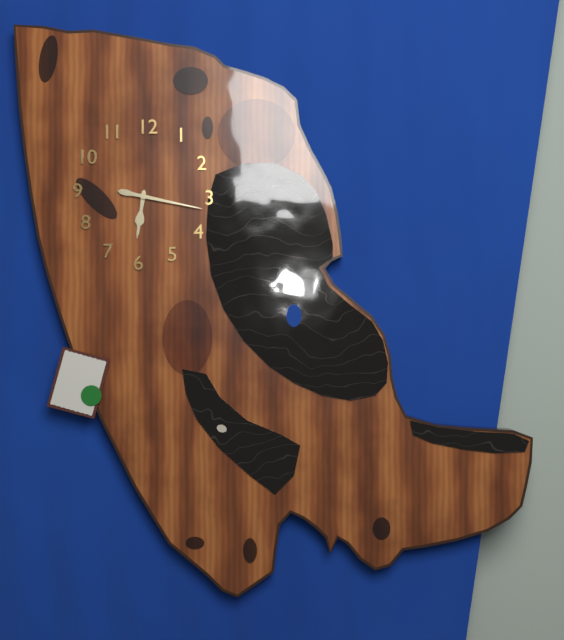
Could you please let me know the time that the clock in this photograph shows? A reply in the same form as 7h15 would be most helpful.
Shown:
6h17
